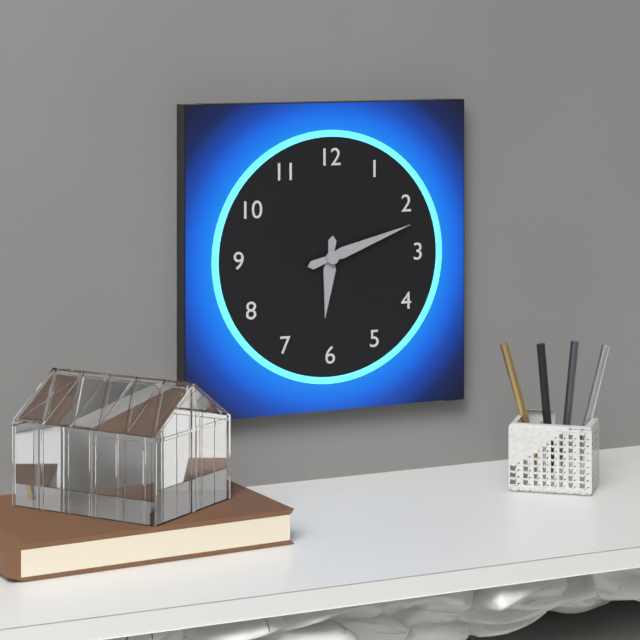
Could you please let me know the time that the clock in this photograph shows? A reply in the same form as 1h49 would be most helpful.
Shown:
6h12
